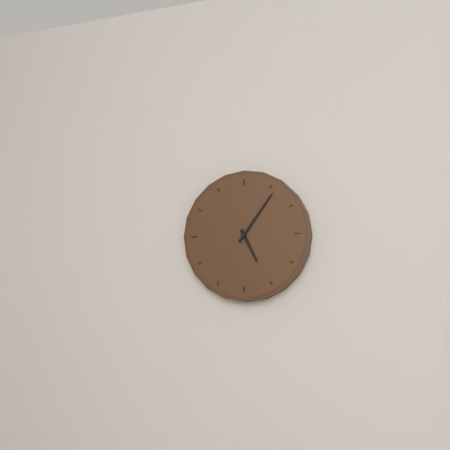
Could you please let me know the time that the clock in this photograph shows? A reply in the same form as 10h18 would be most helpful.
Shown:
5h06
